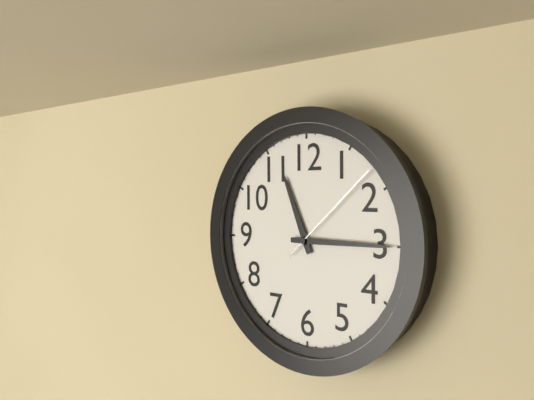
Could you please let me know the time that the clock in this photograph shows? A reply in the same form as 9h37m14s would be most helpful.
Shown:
11h15m08s
